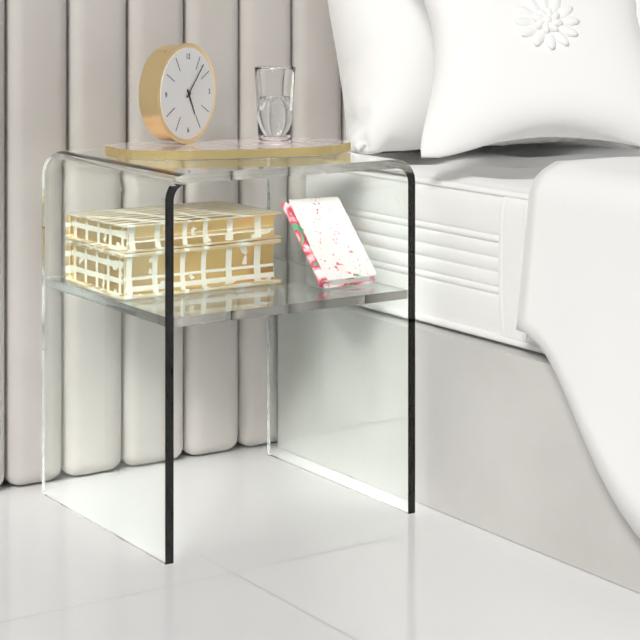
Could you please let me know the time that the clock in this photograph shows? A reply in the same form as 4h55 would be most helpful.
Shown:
5h07
